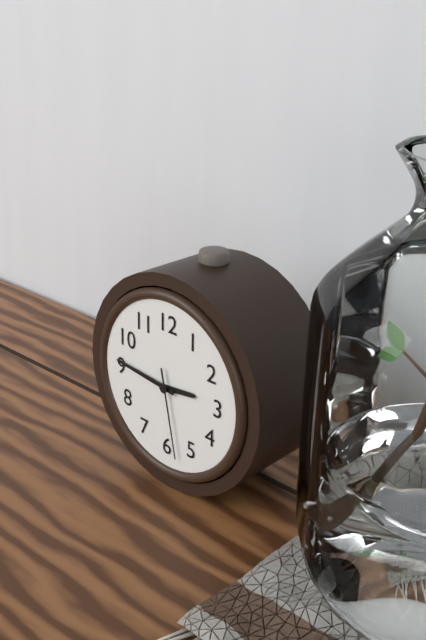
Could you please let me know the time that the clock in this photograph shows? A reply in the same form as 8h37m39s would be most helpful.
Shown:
2h46m28s
